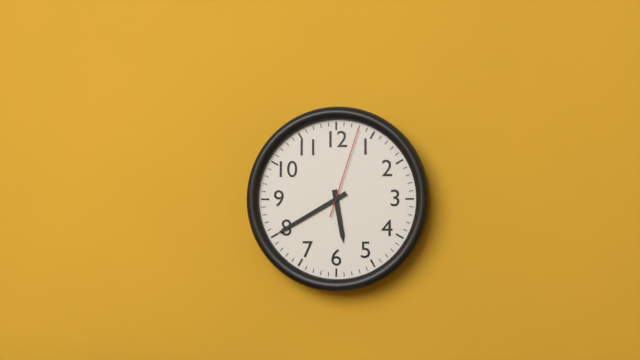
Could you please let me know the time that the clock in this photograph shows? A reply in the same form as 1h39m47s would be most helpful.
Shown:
5h40m03s
